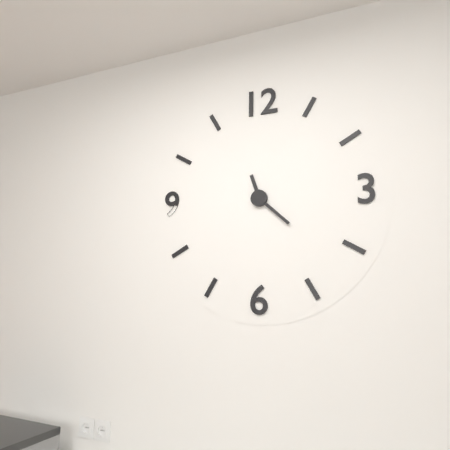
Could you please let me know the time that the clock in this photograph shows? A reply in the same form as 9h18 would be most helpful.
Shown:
11h22
